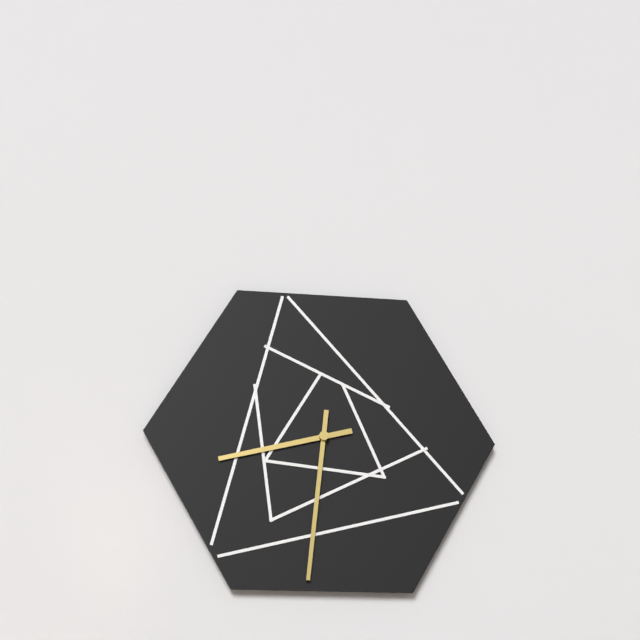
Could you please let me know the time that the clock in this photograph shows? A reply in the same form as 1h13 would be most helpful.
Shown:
8h31
